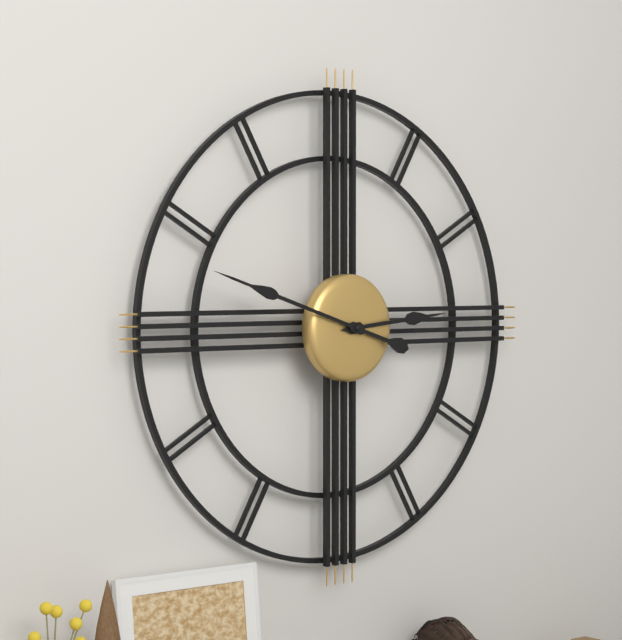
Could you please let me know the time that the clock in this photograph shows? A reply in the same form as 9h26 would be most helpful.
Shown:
2h48
